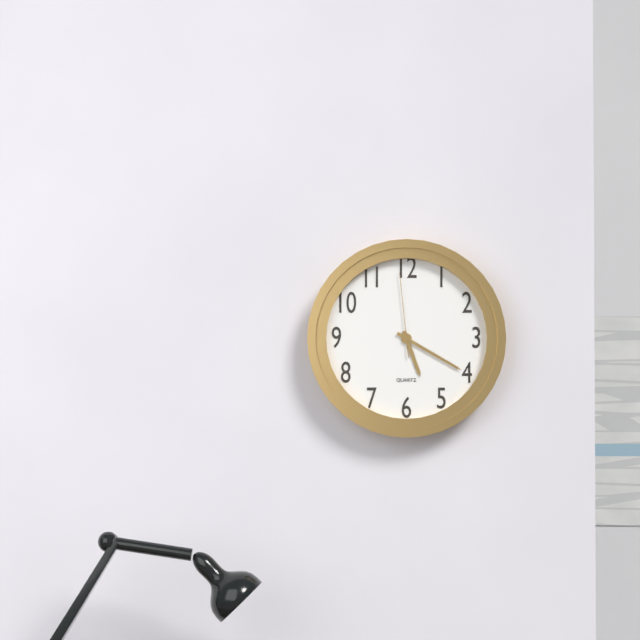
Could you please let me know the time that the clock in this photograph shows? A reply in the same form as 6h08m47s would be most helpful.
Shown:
5h20m59s
